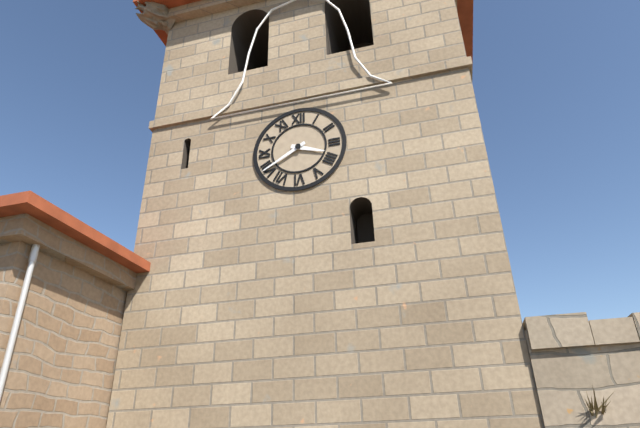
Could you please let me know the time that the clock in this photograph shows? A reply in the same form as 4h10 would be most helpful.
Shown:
3h40
